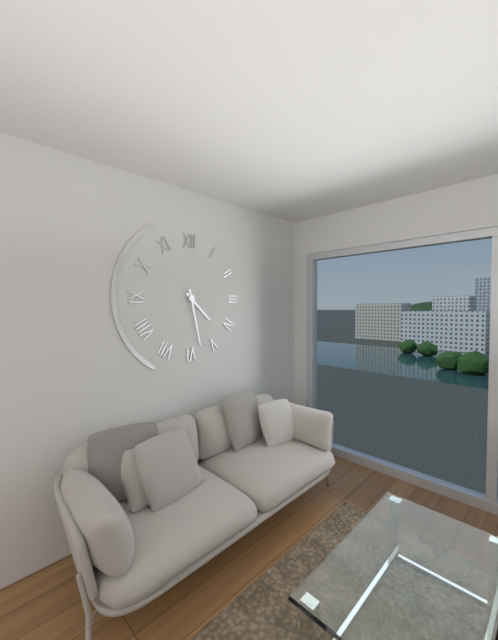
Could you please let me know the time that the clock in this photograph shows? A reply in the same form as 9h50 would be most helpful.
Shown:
4h28
